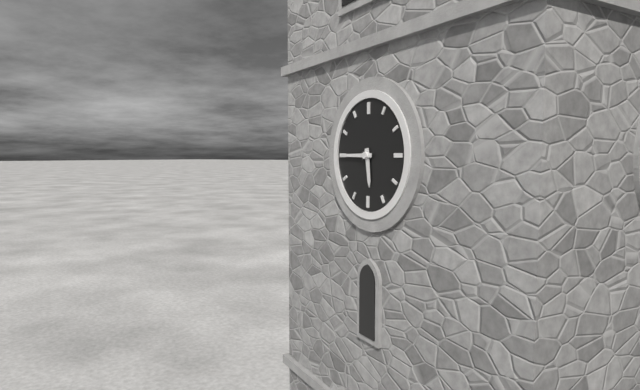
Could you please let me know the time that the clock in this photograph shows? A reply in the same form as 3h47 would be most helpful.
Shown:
5h45
